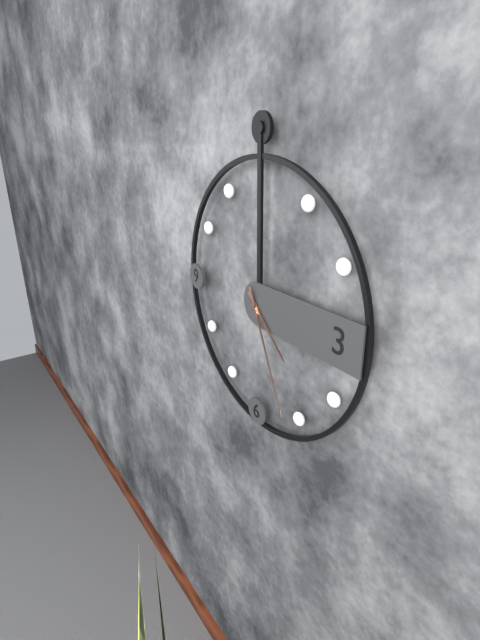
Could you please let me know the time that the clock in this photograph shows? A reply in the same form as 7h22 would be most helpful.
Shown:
4h26
